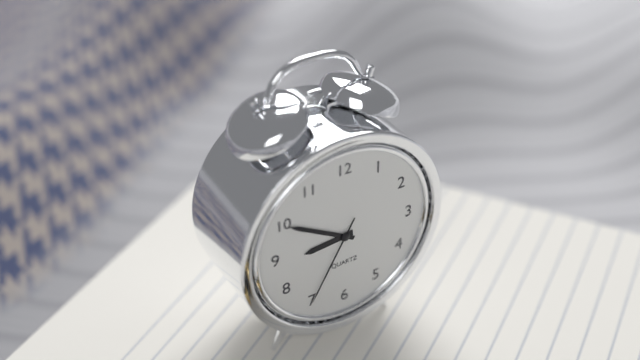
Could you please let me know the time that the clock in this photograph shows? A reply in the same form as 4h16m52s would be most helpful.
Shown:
8h50m35s
